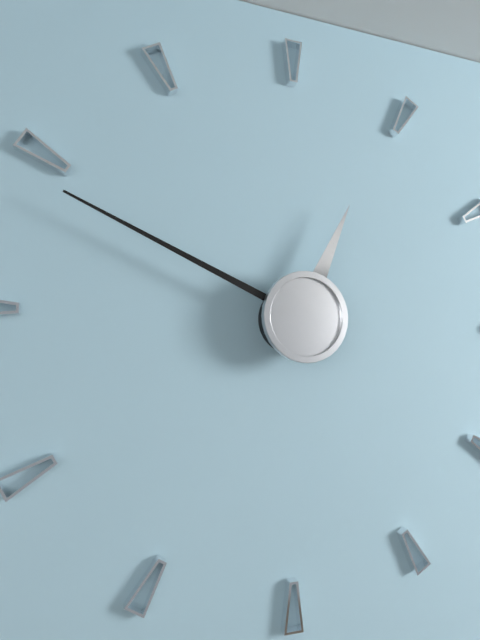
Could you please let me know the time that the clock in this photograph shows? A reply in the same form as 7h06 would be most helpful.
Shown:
12h49
